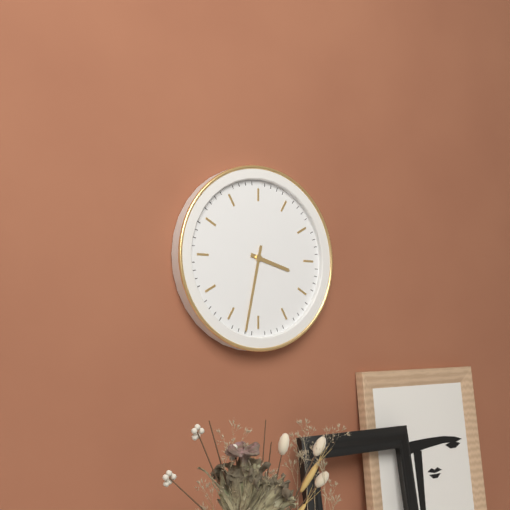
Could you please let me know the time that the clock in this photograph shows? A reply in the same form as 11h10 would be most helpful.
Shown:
3h32
